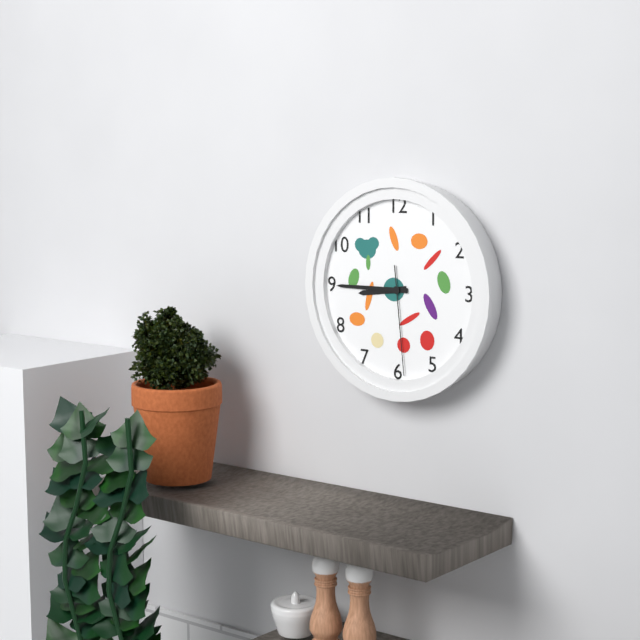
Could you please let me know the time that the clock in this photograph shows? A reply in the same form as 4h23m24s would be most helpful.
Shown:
8h45m29s
